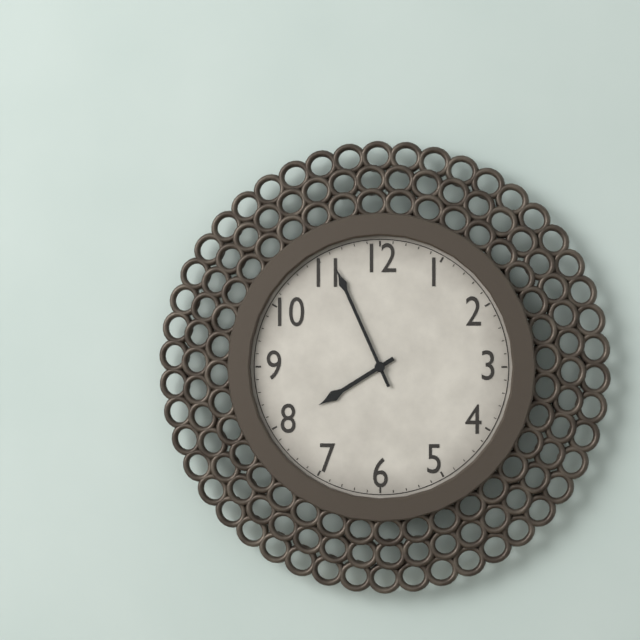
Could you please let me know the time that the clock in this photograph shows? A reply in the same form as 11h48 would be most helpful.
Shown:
7h56
